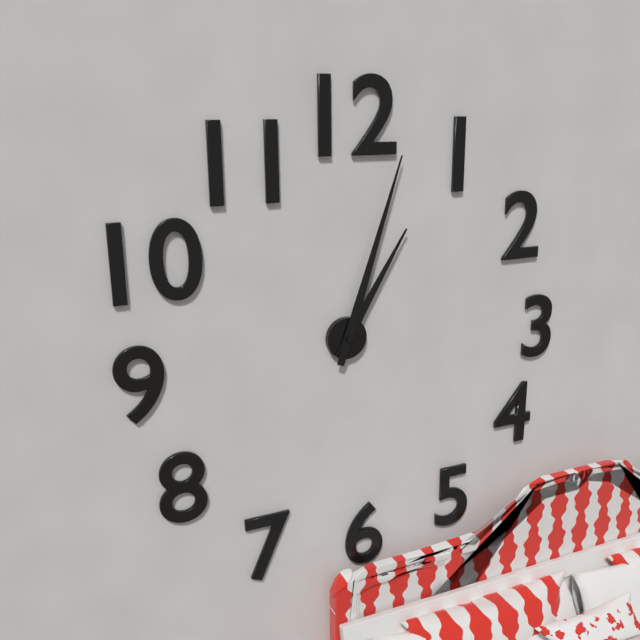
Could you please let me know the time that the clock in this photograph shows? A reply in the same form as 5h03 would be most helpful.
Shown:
1h03
